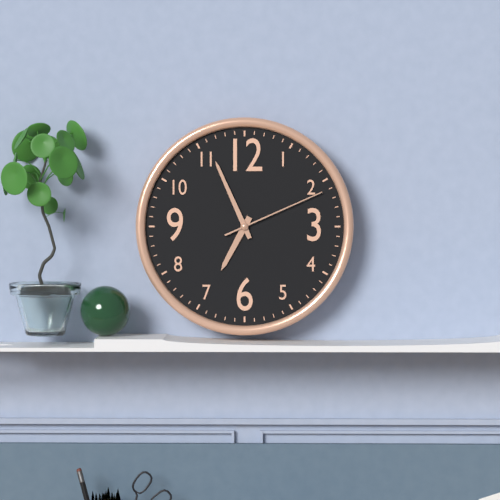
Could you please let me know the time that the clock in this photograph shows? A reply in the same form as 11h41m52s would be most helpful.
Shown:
6h56m11s
